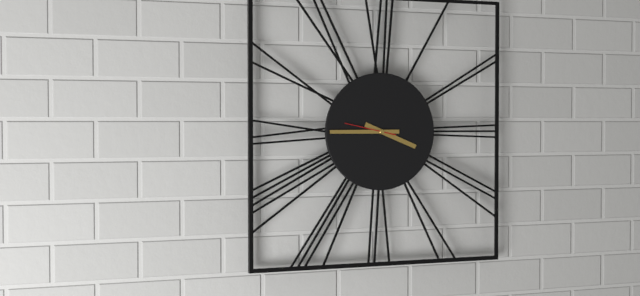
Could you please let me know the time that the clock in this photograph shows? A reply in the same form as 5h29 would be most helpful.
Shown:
3h45
